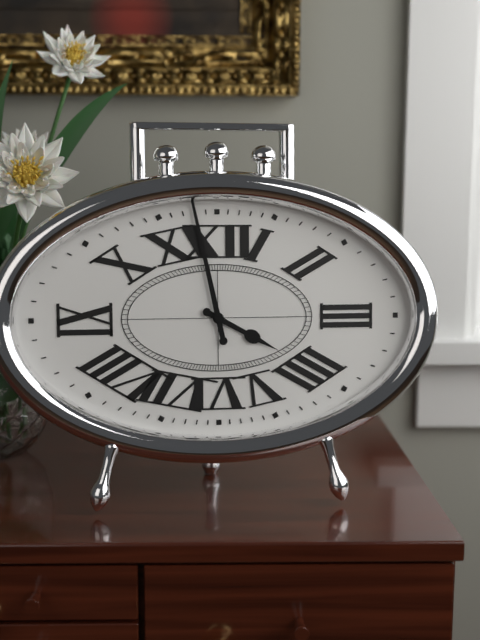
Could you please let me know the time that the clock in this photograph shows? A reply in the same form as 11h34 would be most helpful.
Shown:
3h58
